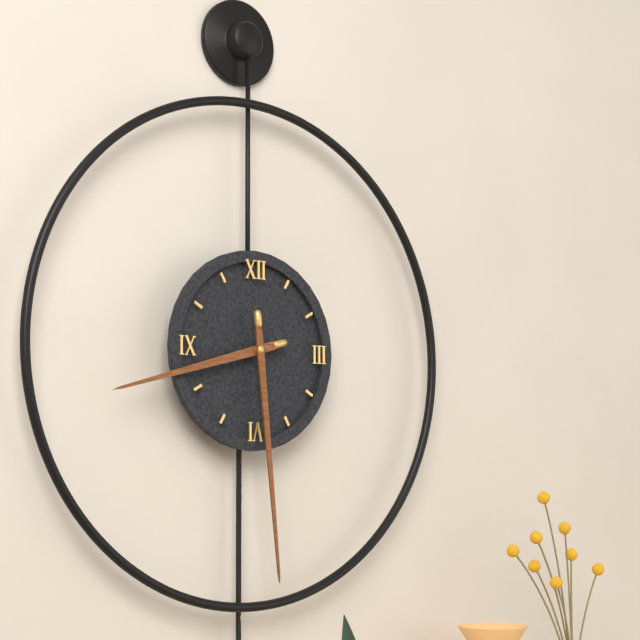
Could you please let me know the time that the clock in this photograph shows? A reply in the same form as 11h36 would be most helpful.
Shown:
8h29
